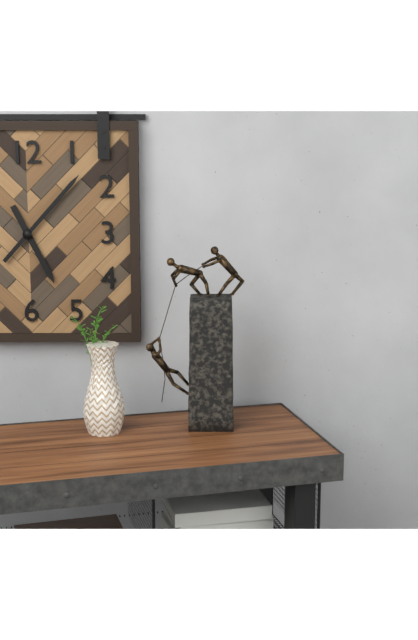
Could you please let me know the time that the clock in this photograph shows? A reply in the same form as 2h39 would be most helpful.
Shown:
5h07
